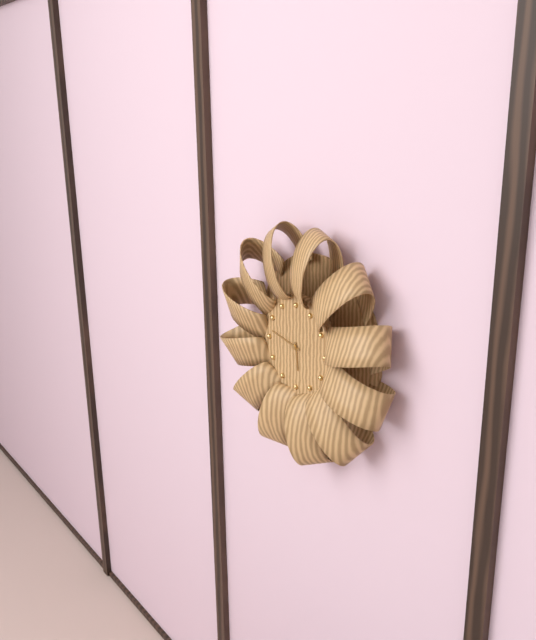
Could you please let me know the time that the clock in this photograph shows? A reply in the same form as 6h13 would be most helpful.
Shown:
5h47
